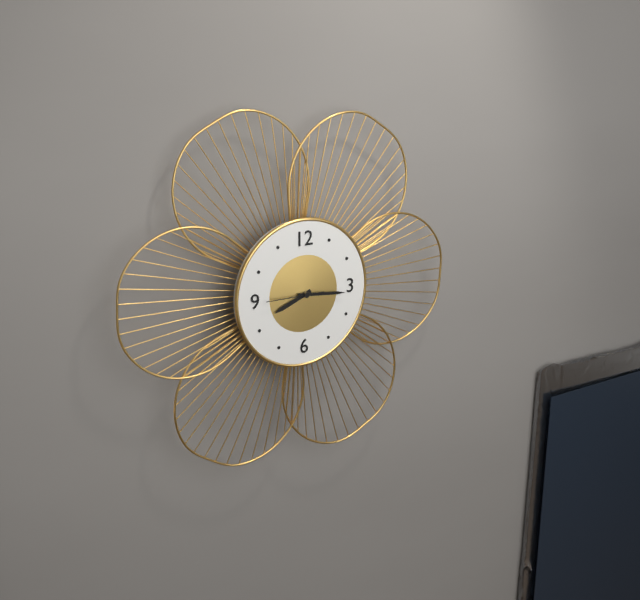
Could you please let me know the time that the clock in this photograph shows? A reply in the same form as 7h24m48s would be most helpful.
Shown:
8h16m45s
